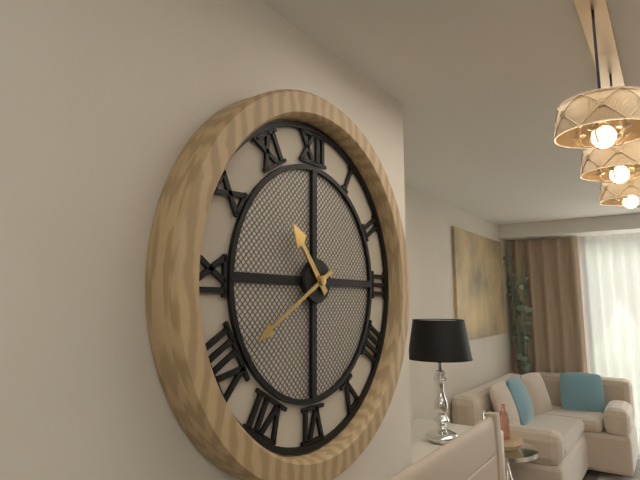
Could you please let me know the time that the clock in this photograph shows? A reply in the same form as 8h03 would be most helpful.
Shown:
10h40
